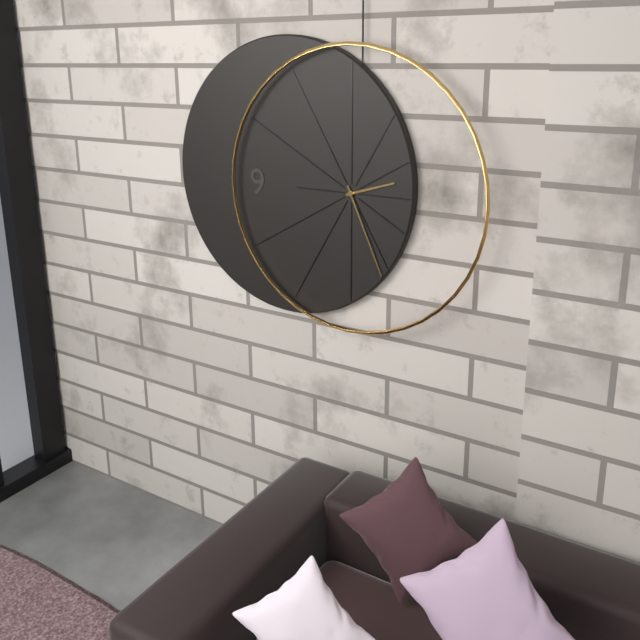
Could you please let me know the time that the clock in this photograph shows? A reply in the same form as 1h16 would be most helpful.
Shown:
2h26
